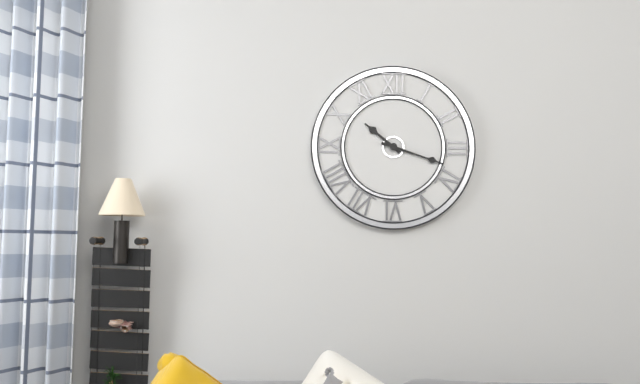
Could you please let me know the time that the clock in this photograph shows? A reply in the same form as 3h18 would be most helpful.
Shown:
10h18
